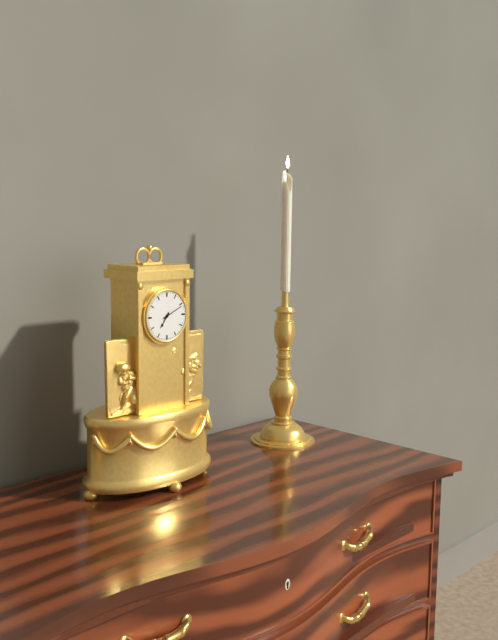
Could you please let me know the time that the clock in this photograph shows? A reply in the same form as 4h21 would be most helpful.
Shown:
7h11
